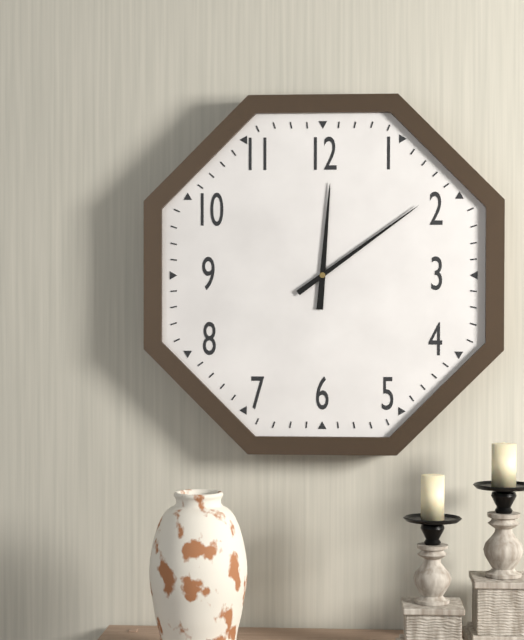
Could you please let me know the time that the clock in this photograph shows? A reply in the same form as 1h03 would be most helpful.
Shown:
12h09
